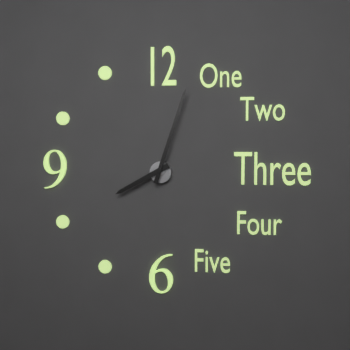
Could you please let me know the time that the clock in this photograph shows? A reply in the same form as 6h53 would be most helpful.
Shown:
8h03
